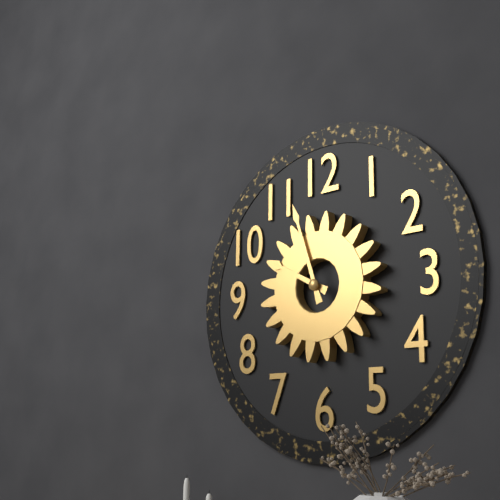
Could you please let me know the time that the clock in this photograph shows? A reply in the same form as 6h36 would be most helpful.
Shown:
9h57
